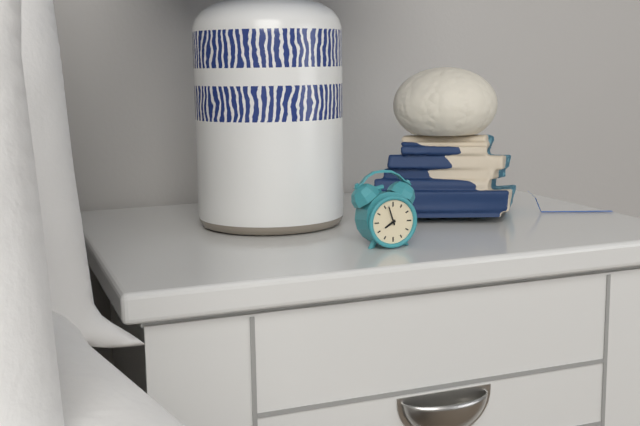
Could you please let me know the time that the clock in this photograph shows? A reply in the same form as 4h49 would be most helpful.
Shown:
7h57
